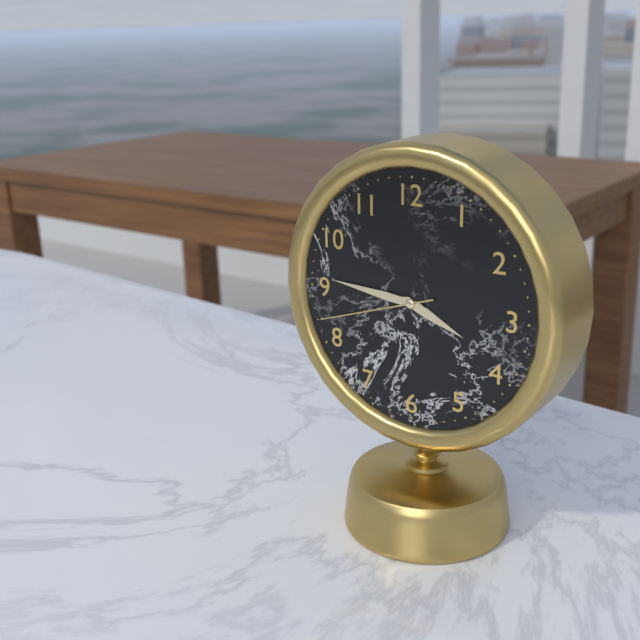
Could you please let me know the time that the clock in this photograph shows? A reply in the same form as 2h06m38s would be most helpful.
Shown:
3h46m42s
